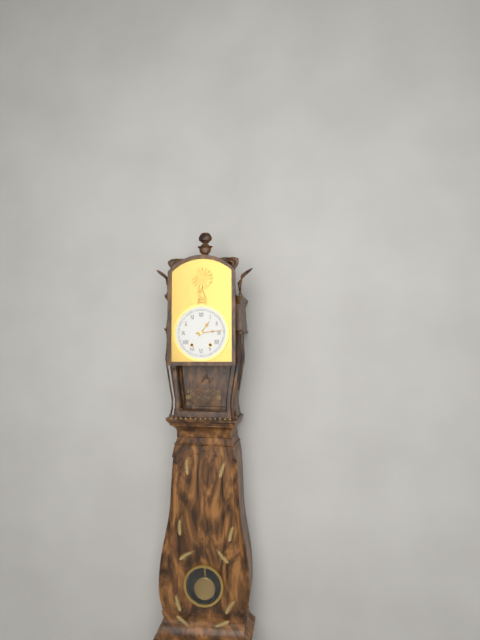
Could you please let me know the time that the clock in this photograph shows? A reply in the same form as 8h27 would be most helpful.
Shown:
1h14
